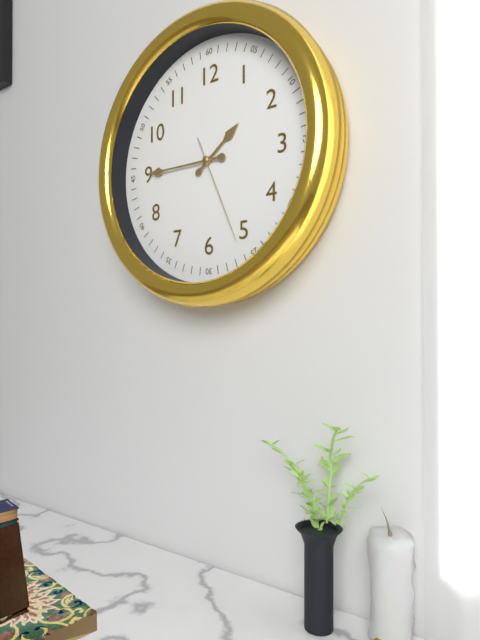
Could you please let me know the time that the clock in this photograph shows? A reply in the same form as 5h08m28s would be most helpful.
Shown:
1h45m26s
